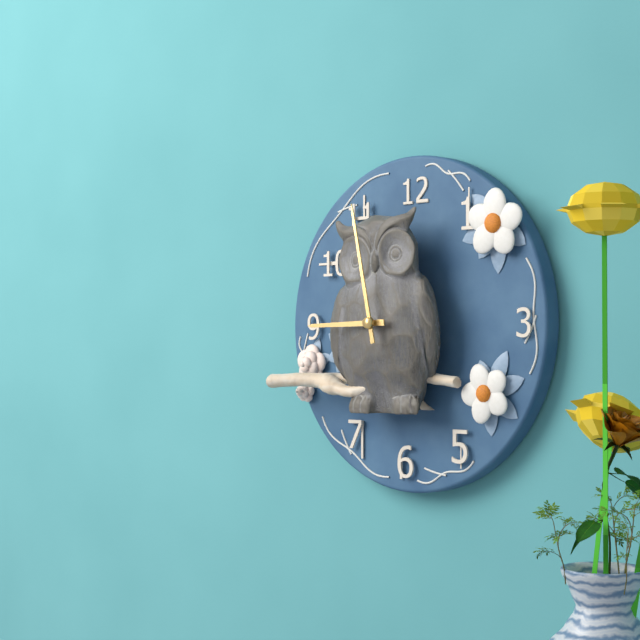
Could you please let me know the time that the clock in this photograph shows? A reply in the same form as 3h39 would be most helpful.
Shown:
8h58
